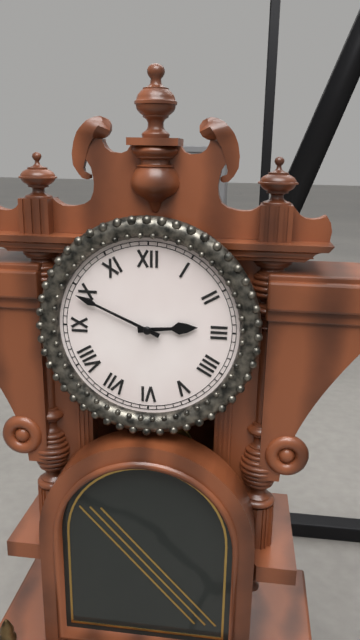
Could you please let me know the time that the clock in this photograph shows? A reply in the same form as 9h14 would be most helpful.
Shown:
2h49
